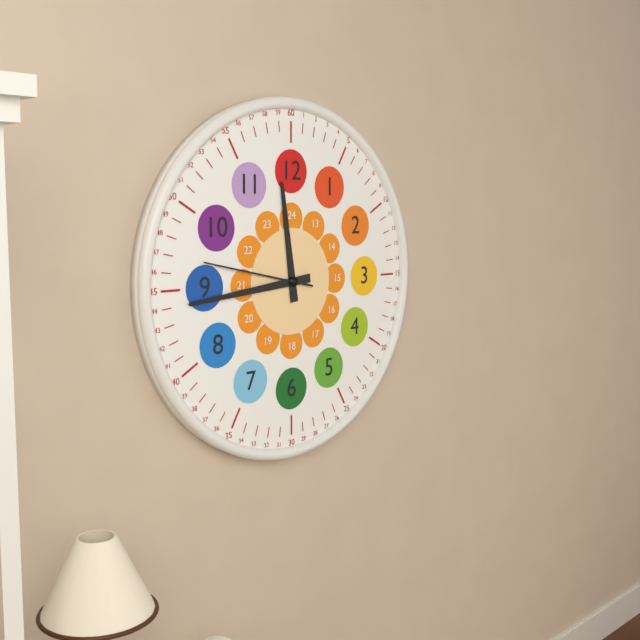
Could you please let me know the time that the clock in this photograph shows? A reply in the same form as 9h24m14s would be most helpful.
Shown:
11h44m47s
